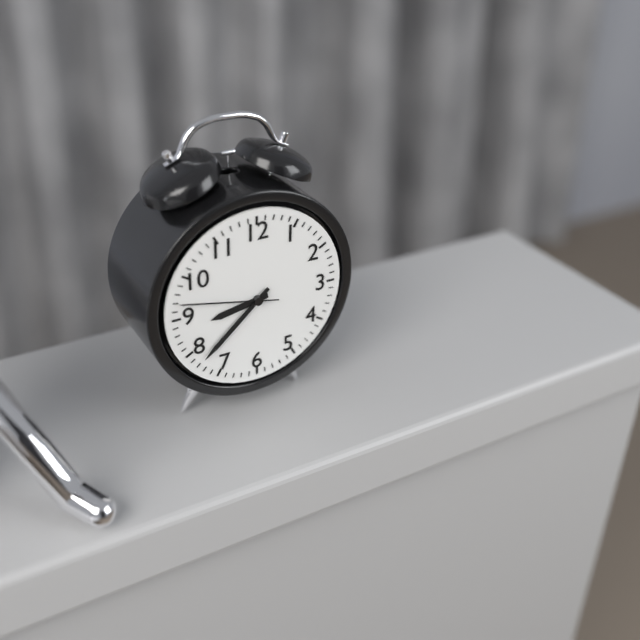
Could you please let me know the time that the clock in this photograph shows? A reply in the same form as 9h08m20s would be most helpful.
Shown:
8h38m47s
